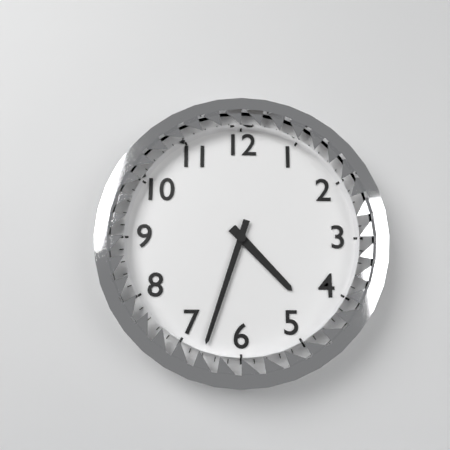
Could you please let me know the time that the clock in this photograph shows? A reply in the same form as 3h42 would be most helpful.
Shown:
4h33
